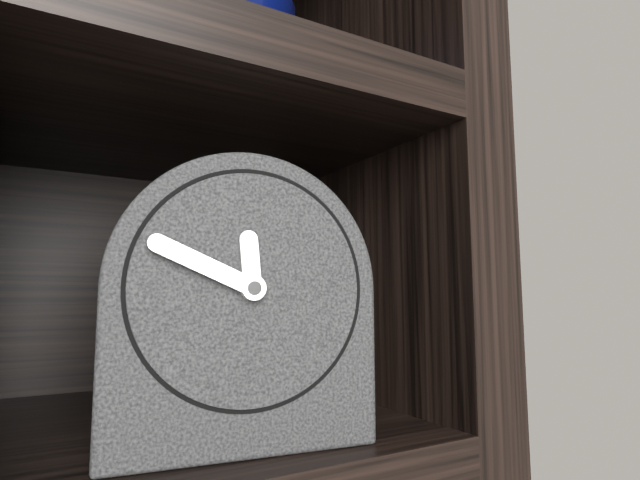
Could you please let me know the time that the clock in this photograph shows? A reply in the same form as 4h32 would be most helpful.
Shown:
11h49
